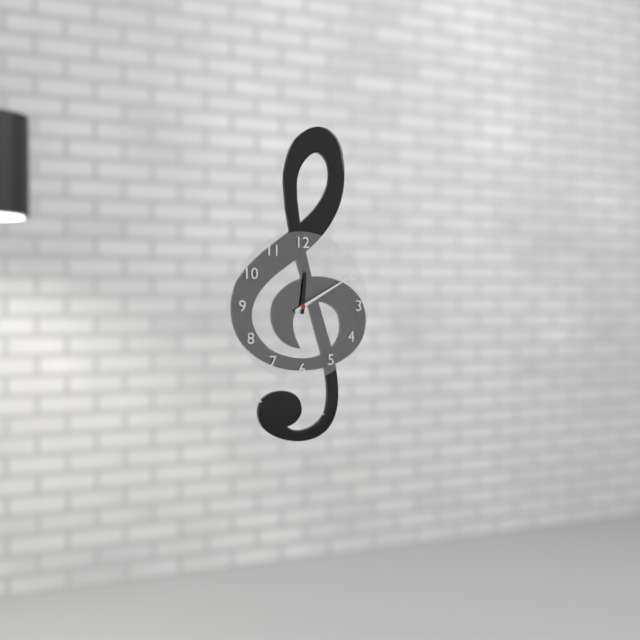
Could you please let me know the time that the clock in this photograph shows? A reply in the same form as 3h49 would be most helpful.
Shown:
12h10
